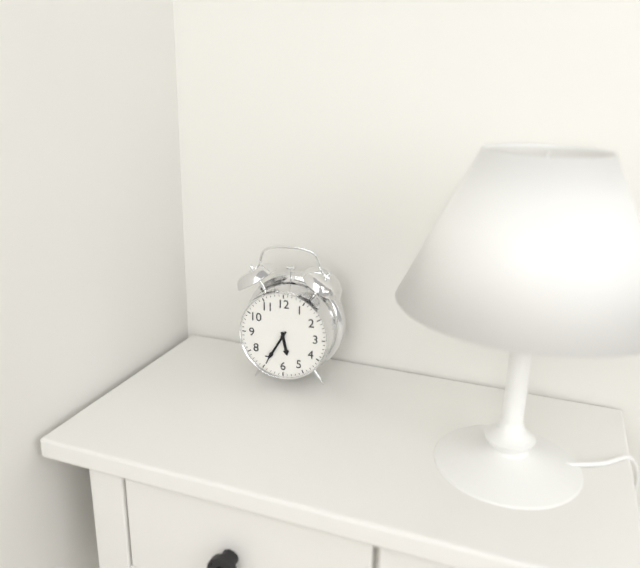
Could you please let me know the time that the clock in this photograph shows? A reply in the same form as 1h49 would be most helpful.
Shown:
5h35
